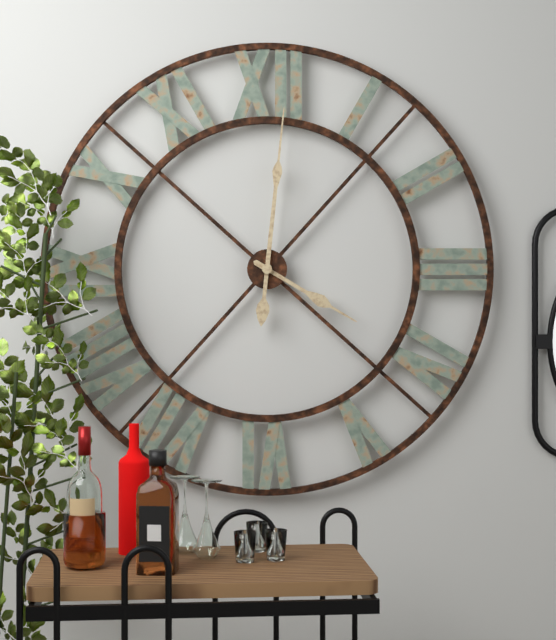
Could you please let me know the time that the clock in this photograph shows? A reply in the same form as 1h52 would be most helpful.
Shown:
4h01
